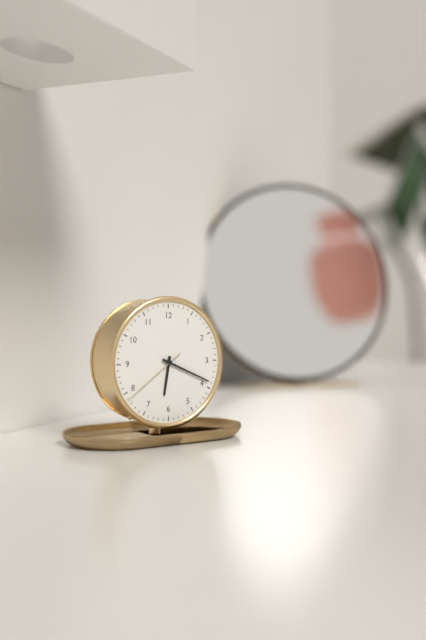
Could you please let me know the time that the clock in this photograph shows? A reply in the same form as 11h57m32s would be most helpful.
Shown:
6h19m39s
